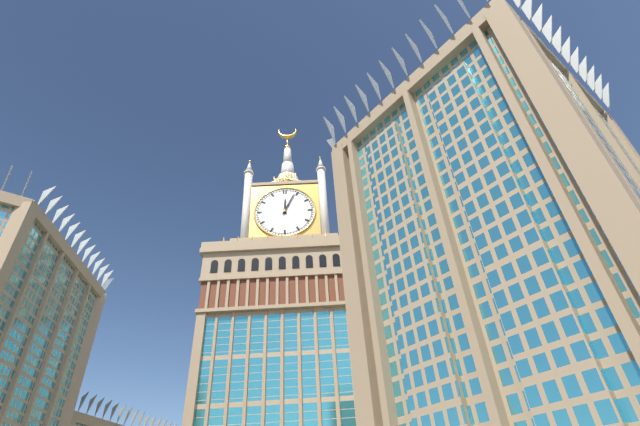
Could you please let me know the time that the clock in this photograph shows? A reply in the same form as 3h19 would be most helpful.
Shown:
12h04
